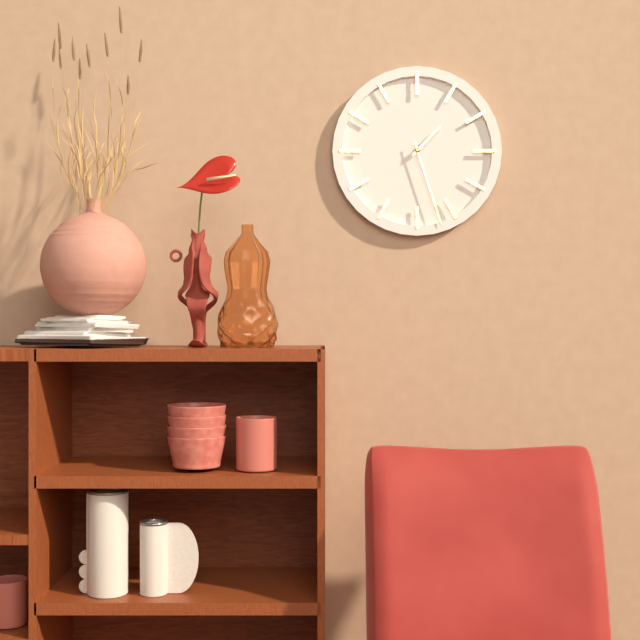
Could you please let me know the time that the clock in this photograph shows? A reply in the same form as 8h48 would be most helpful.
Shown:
1h27
